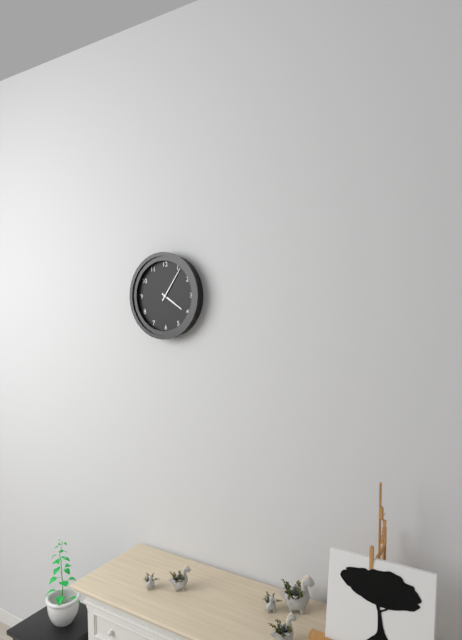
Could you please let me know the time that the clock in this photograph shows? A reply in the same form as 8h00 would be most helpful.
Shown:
4h06
